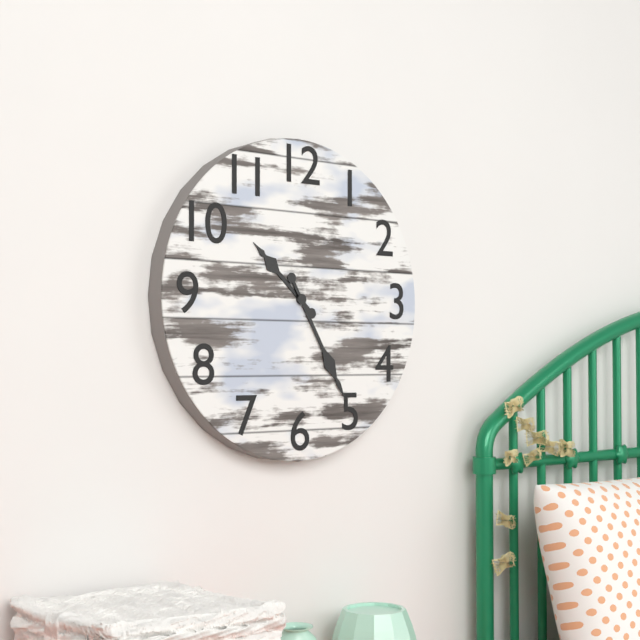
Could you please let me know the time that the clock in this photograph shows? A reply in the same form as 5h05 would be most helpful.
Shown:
10h25
